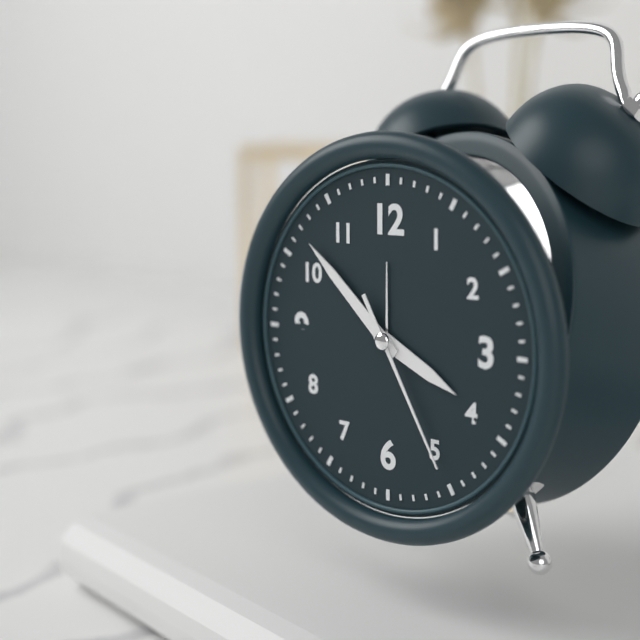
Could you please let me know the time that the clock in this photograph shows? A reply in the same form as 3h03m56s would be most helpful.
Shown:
3h52m25s
